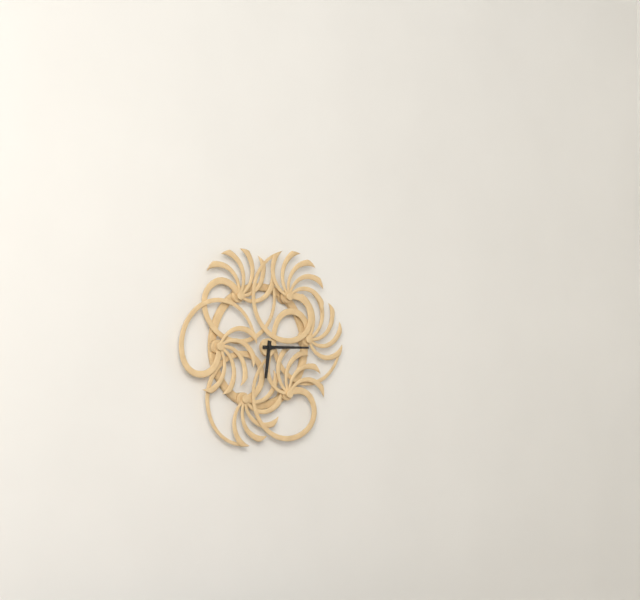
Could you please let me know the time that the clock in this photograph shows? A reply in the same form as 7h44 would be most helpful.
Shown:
6h15
